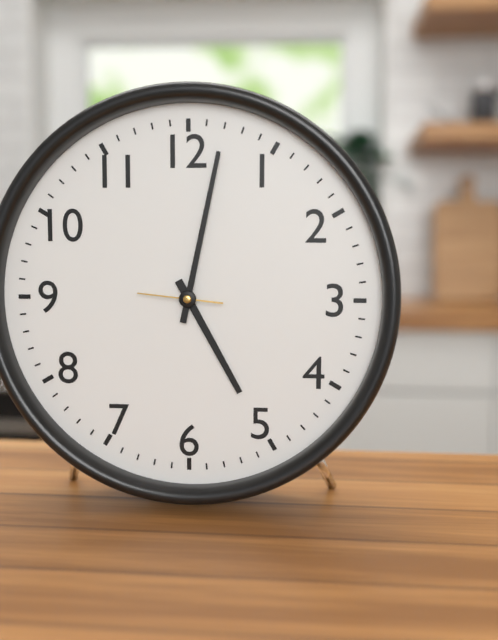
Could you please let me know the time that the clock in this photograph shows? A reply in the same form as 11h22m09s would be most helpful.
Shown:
5h02m46s
